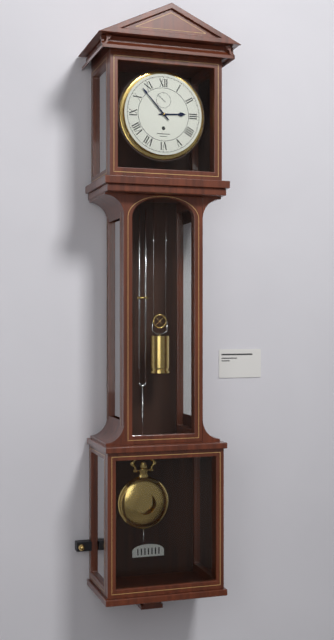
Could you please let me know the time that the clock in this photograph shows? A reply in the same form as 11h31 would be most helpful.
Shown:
2h53
